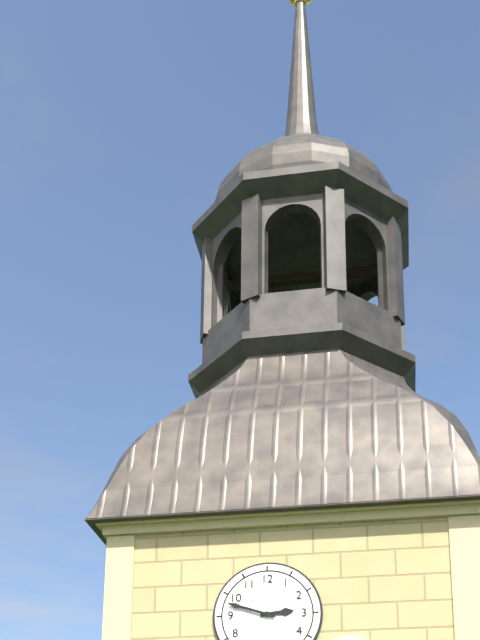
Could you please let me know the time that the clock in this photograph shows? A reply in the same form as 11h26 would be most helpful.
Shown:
2h48
